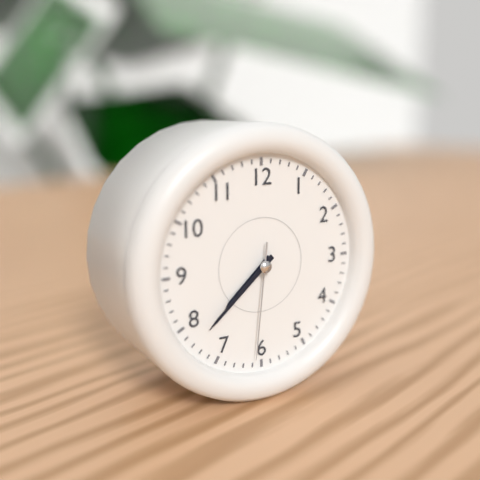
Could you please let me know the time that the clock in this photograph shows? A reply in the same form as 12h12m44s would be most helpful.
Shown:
7h38m31s
